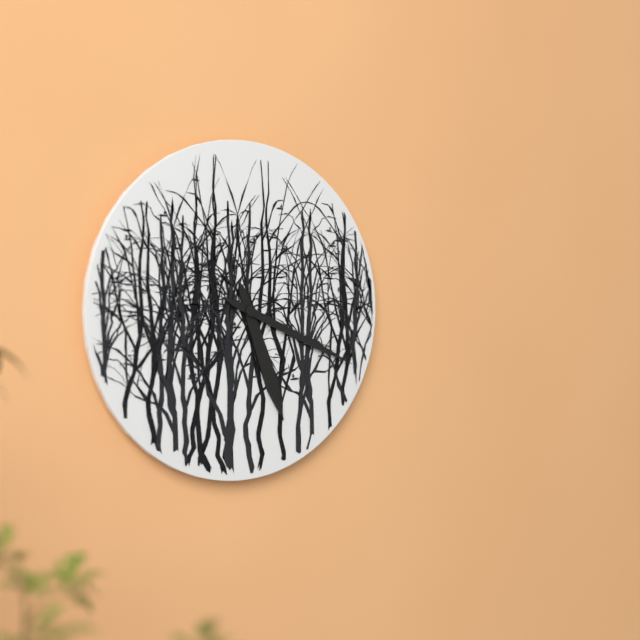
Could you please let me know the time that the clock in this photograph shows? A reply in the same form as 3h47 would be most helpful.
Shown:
5h19
